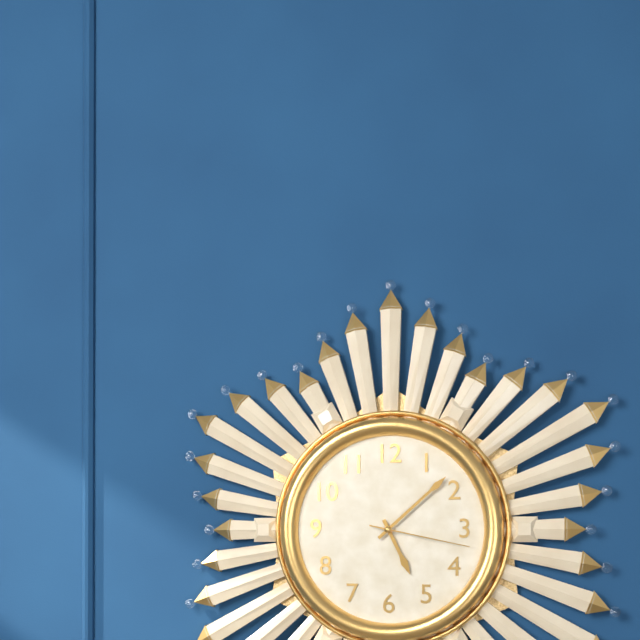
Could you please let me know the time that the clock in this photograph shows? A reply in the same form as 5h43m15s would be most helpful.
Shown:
5h08m17s
